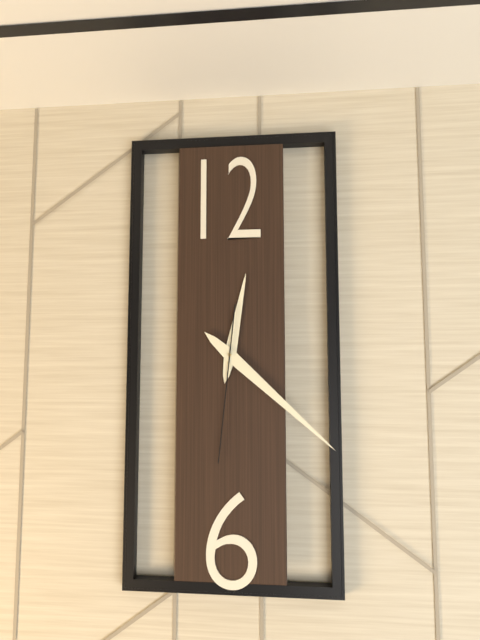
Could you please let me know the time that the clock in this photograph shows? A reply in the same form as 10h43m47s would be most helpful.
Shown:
12h22m31s
